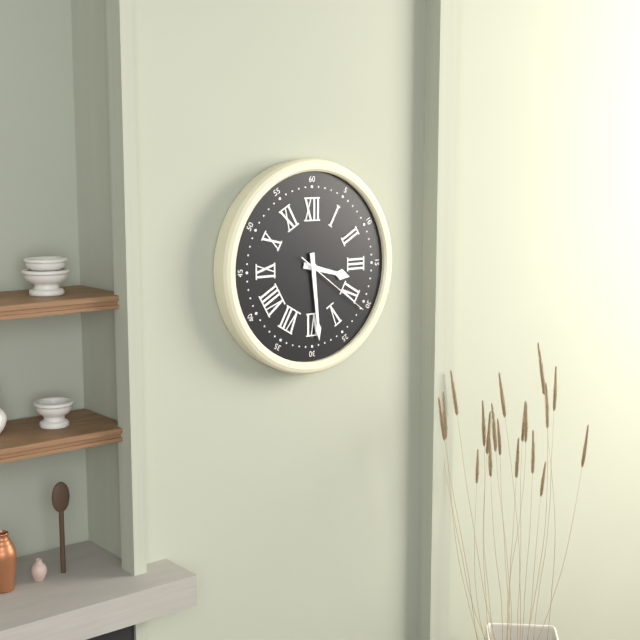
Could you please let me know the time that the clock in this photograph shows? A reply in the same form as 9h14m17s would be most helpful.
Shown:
3h29m21s
